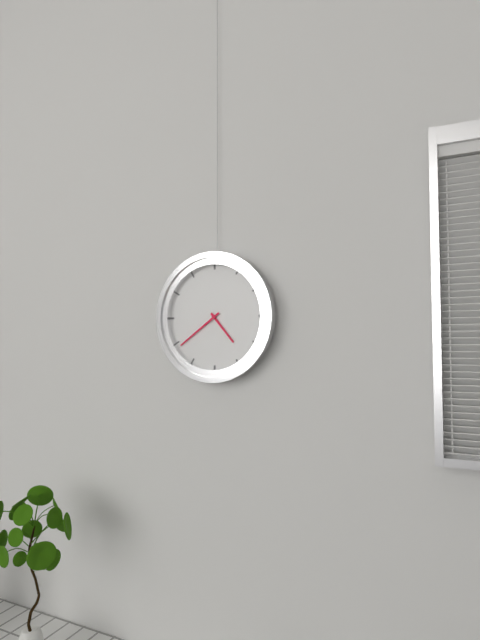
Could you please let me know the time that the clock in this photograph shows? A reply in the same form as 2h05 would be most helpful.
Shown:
4h39
